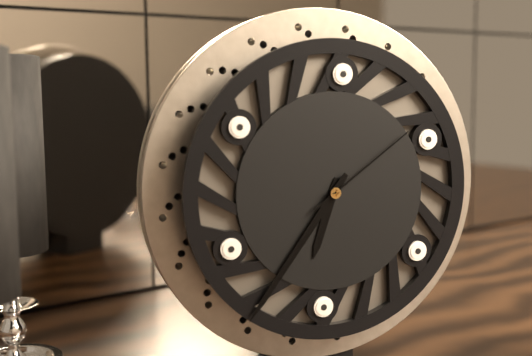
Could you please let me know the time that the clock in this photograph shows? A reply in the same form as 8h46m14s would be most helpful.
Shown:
6h36m09s
